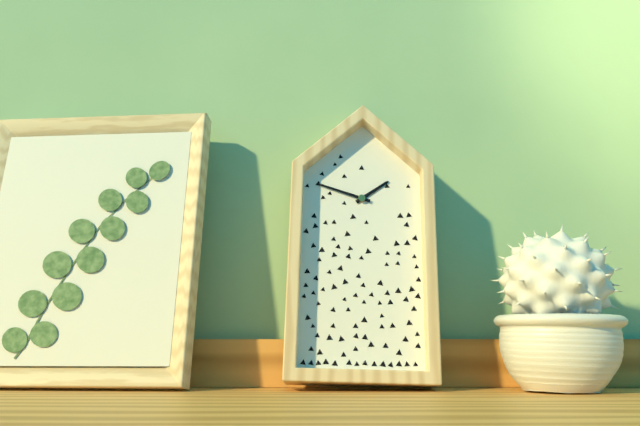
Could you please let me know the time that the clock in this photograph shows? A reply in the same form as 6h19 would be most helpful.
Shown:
1h48
